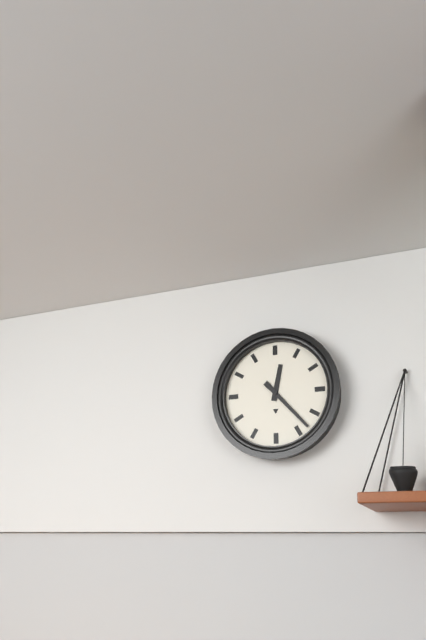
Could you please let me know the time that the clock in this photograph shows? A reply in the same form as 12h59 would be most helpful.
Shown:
12h23
